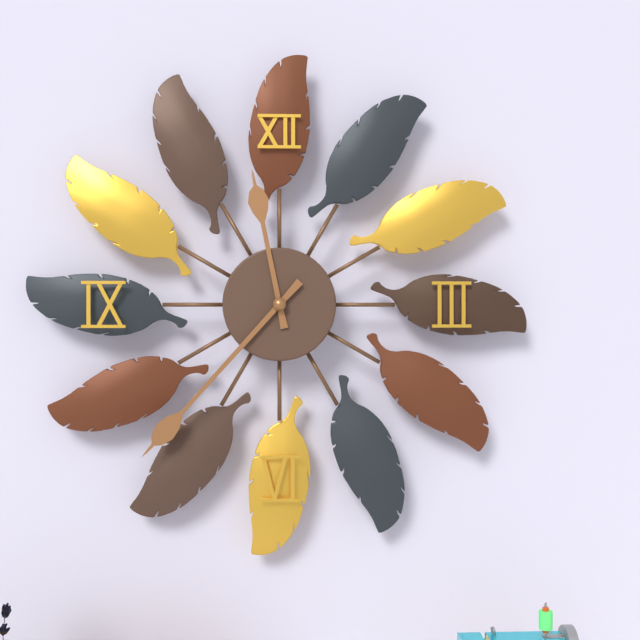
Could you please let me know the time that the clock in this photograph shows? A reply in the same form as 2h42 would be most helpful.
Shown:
11h37
